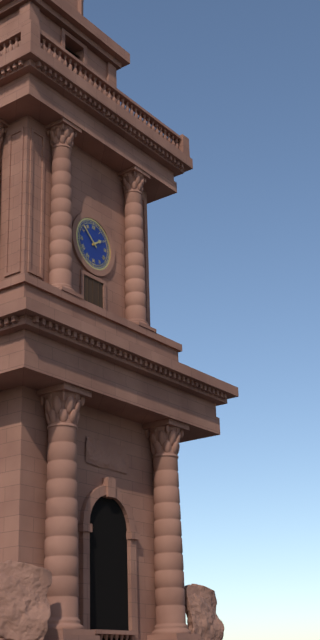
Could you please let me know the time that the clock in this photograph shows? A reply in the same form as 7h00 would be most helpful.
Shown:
1h52
